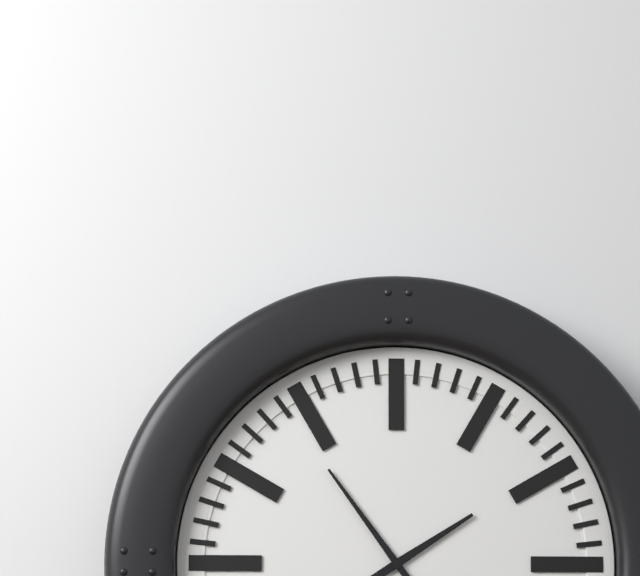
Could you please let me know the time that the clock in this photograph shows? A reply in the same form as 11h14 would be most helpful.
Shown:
1h54
